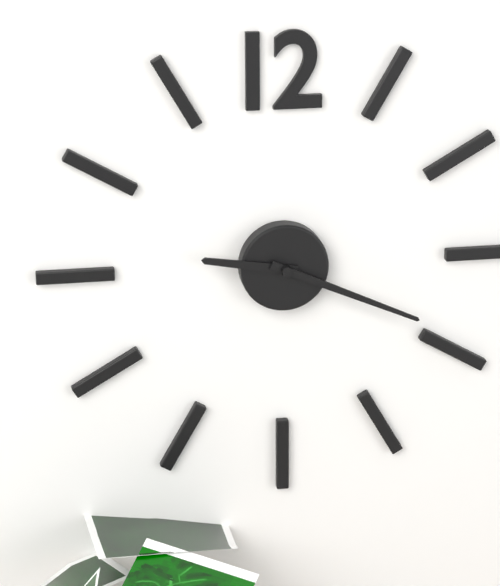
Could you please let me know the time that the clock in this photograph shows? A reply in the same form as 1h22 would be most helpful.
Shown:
9h19
